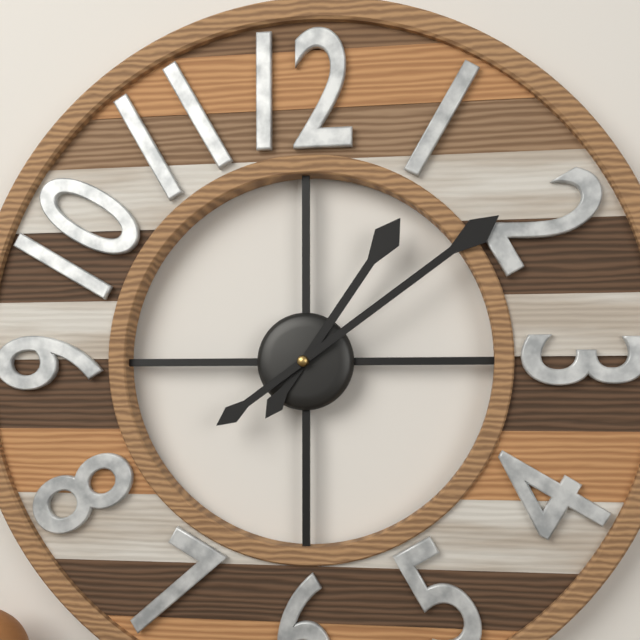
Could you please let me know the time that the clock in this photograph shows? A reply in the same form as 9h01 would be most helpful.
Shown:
1h09
